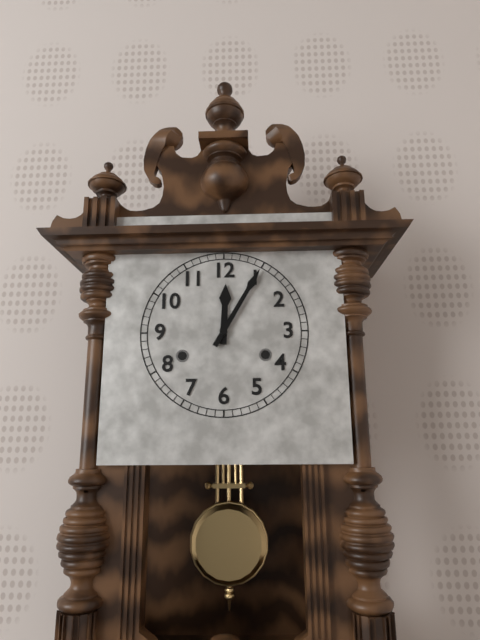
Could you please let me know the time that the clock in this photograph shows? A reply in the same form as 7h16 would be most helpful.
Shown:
12h05
